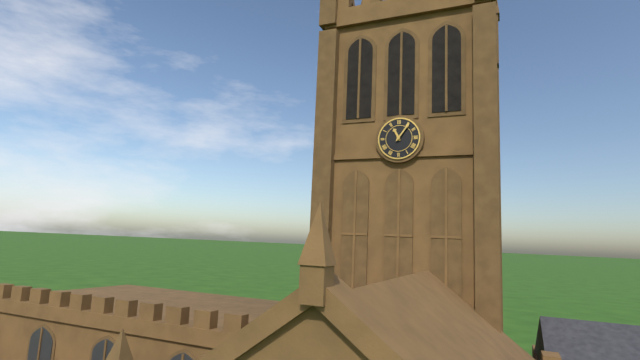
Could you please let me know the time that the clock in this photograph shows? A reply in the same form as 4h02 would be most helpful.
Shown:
11h06
